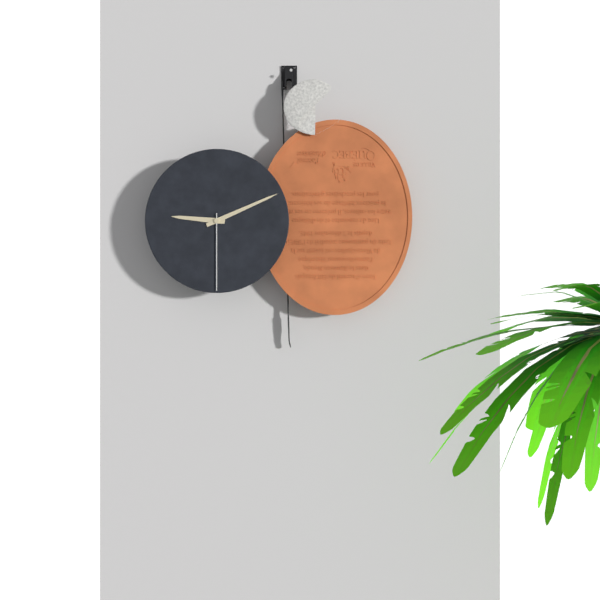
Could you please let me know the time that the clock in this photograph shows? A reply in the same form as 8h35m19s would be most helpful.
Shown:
9h11m30s
